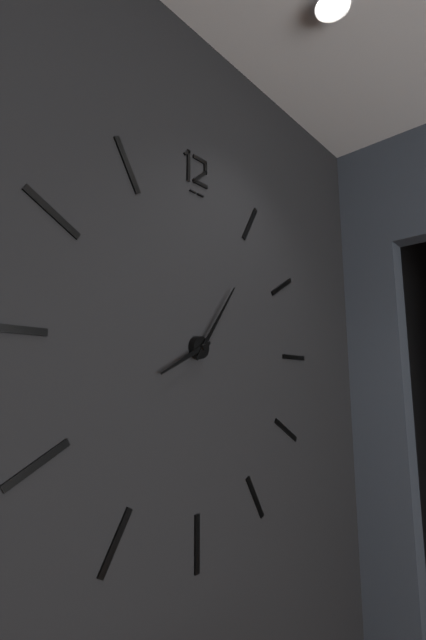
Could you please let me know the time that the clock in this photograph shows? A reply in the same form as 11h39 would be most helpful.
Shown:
8h06
